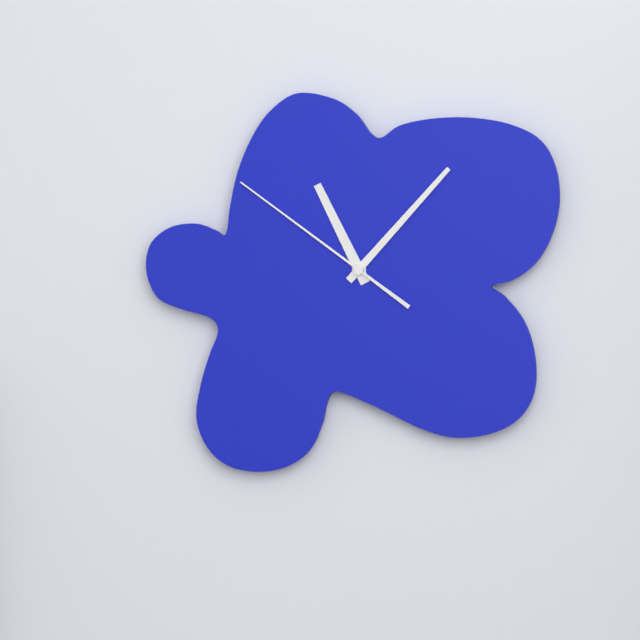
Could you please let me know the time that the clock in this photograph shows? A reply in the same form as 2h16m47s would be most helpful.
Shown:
11h07m51s
